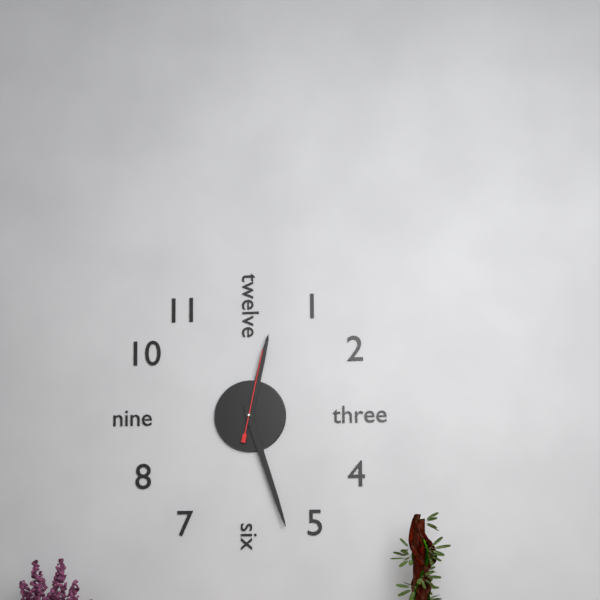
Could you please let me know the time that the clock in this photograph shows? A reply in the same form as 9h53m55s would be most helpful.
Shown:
12h27m02s
